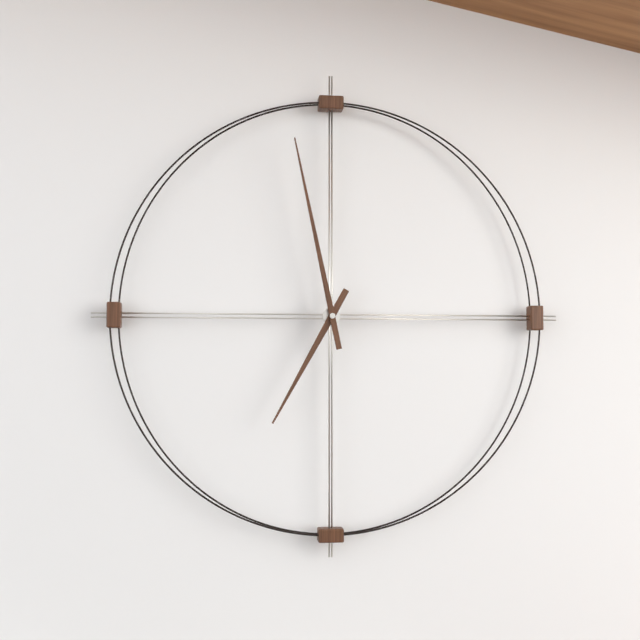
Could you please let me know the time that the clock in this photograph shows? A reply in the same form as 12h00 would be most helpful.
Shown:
6h58
